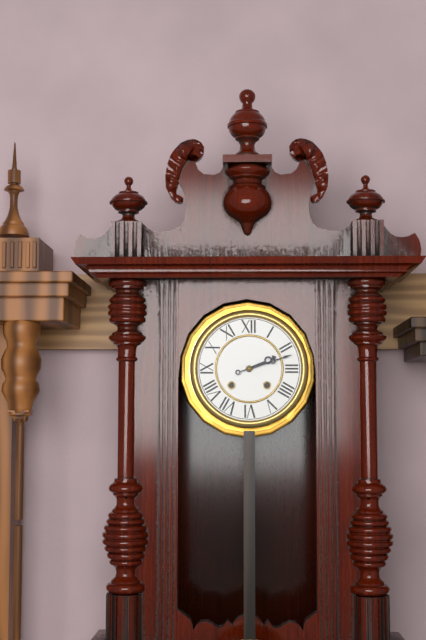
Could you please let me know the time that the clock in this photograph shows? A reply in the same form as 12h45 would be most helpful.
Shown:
2h12
